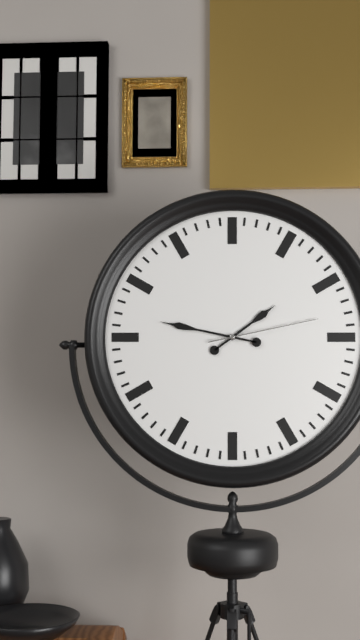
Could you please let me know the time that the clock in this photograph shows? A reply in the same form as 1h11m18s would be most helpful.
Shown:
1h47m13s
